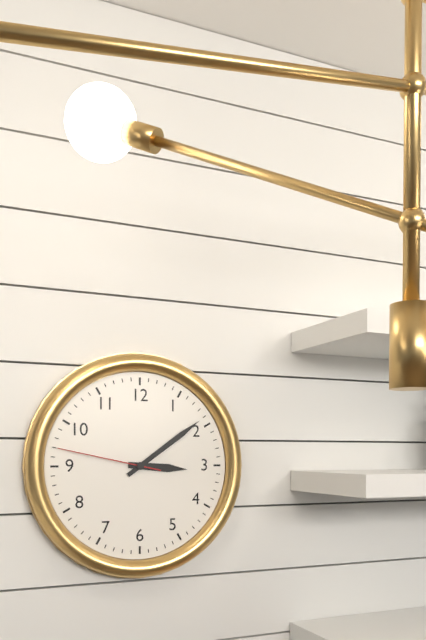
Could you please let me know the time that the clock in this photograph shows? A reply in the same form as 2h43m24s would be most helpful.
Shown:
3h09m47s
